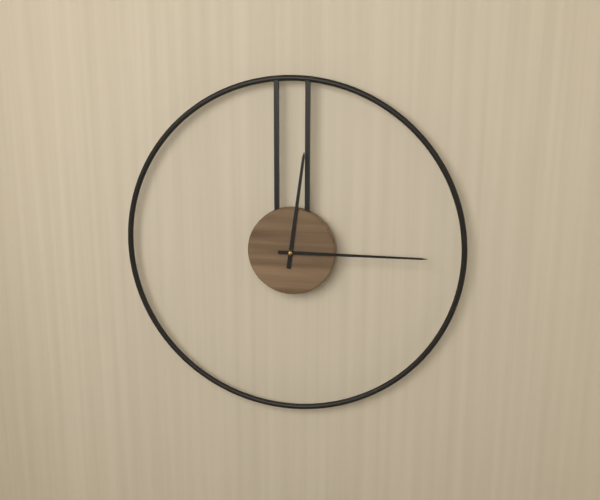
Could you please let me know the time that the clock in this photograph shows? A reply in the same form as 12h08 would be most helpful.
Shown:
12h15
